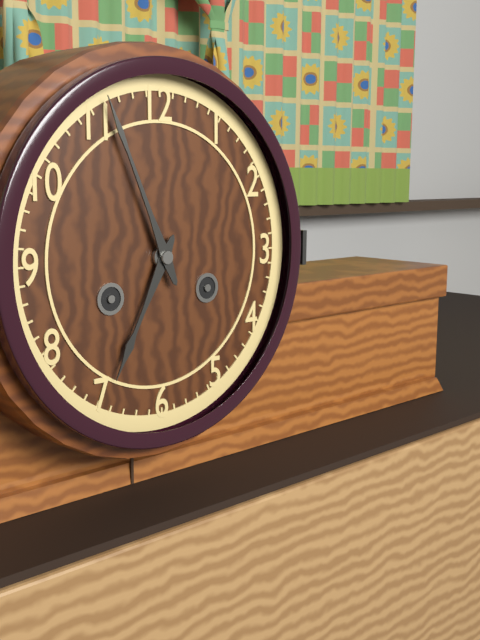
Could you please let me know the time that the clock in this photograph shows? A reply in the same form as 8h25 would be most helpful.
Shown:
6h56
